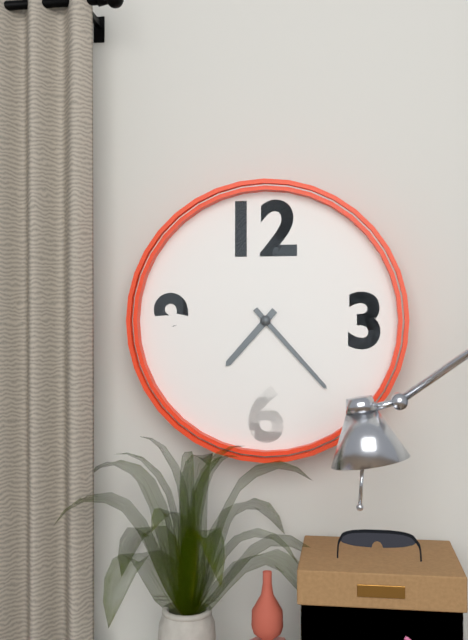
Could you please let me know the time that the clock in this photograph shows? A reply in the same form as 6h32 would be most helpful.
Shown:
7h23
